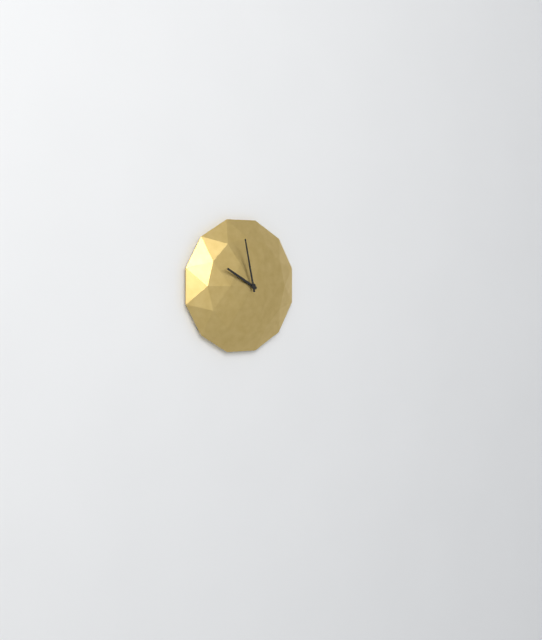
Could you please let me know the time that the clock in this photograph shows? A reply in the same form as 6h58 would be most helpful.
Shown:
9h58
